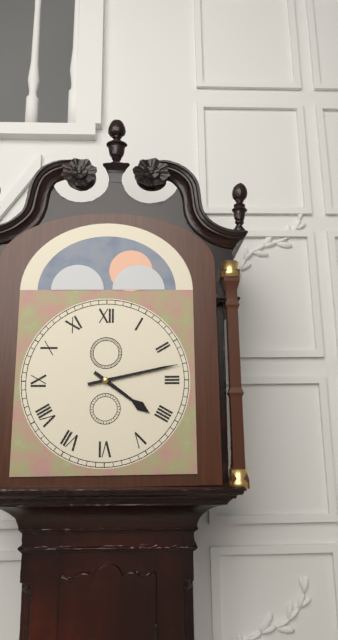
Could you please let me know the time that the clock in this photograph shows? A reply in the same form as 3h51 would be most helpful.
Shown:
4h13
